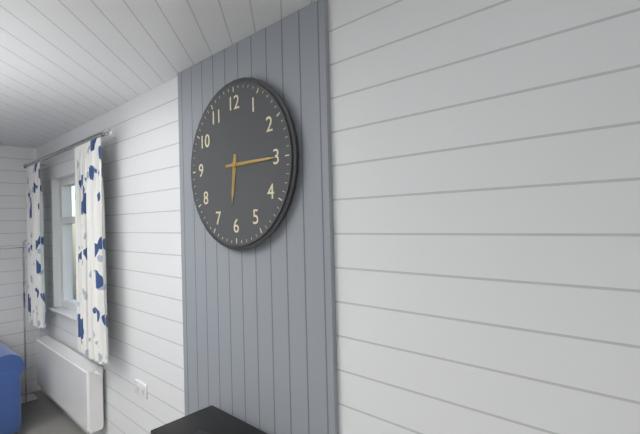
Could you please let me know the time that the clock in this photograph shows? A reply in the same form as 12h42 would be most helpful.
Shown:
6h15
